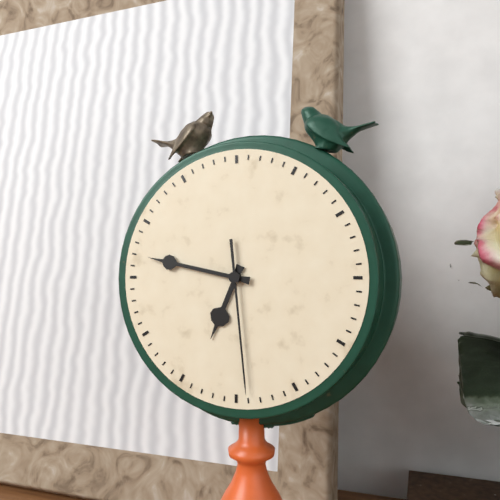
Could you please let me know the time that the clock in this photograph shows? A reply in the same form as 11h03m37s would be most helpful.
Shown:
6h47m29s
